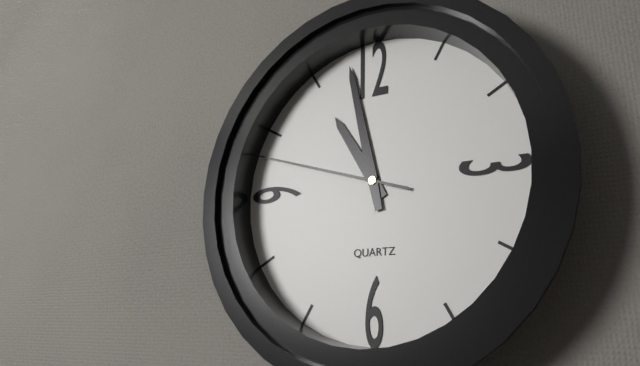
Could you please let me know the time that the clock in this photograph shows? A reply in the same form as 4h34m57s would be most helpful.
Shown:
10h58m48s
